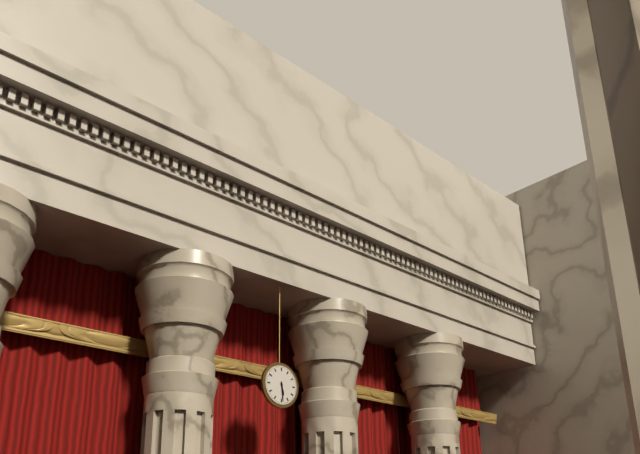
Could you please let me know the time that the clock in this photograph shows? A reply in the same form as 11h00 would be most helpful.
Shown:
5h29
